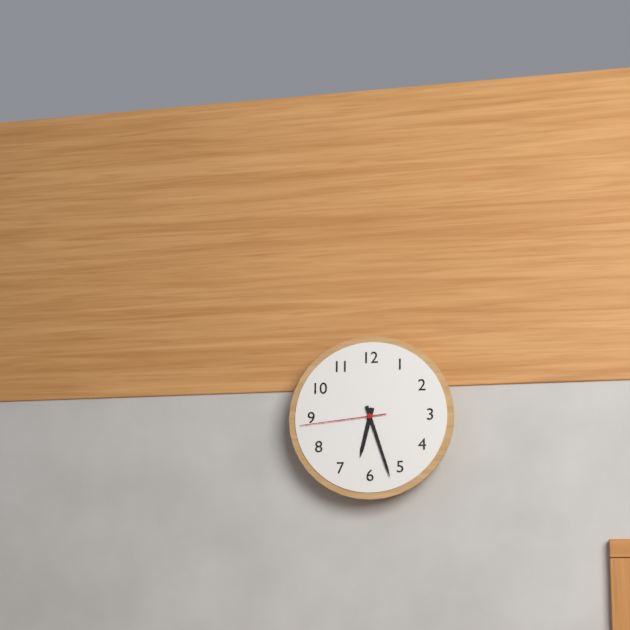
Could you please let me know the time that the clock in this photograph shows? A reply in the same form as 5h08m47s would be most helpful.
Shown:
6h27m44s
